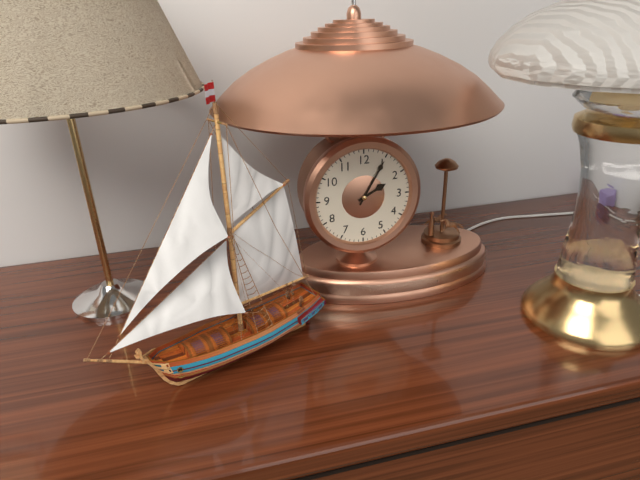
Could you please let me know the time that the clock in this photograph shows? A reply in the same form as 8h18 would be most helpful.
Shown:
2h05
